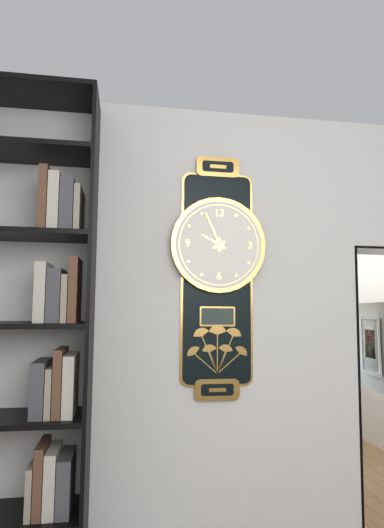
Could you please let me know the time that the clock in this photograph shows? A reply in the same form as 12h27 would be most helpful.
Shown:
9h56
